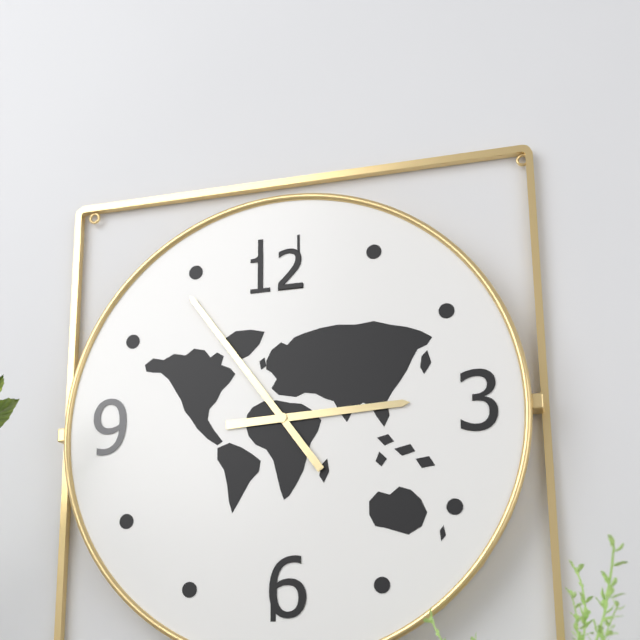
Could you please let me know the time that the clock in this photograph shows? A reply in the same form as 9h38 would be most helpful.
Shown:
2h54
